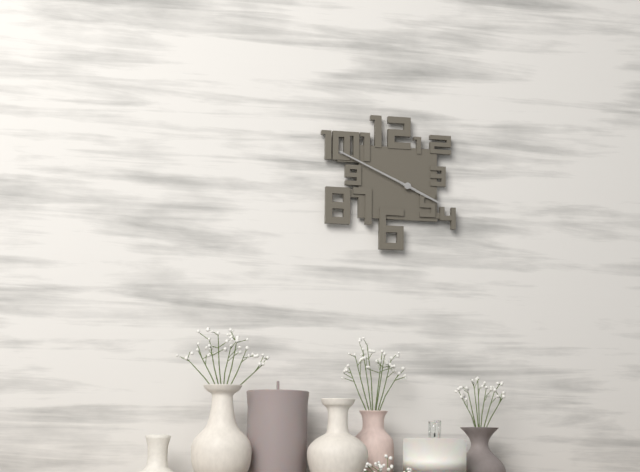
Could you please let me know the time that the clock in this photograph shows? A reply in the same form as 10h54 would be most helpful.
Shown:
3h49
